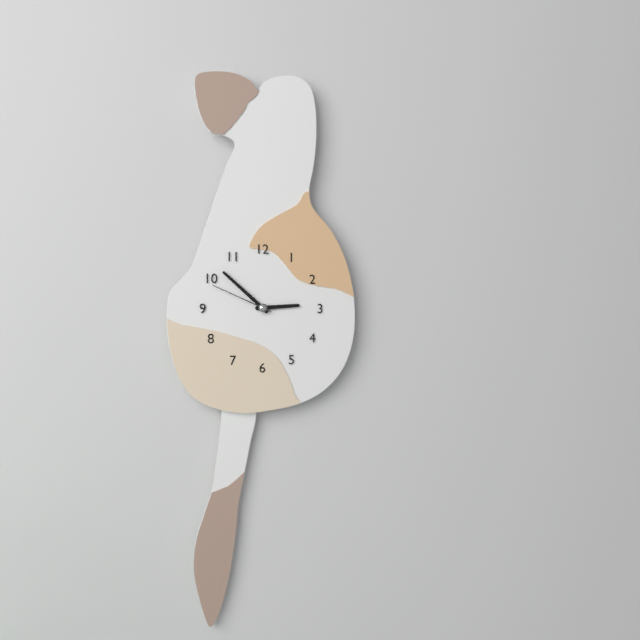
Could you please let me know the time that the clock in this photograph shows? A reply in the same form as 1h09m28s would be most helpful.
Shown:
2h52m49s
